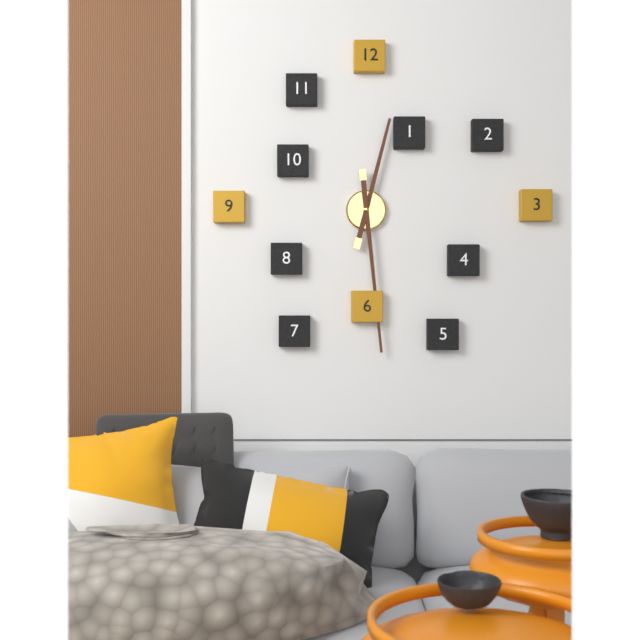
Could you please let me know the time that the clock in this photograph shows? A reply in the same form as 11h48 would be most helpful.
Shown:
12h29
